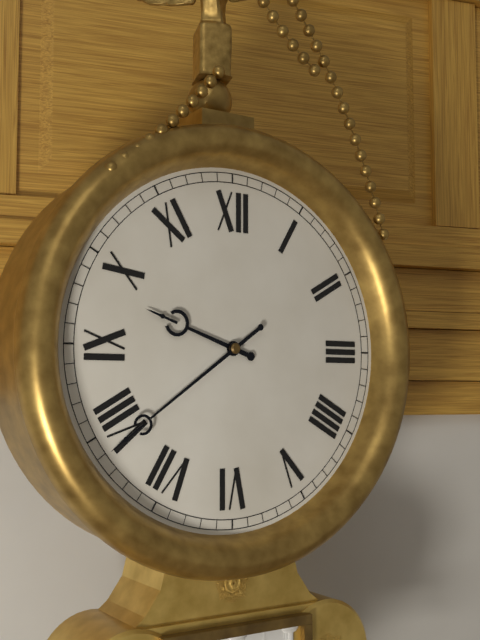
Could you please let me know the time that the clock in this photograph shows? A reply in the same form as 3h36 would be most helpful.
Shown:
9h39
